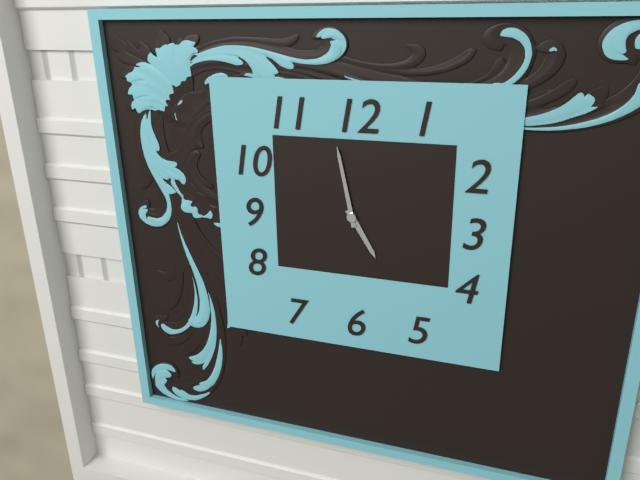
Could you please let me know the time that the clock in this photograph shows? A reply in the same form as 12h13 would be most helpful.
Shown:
4h58
